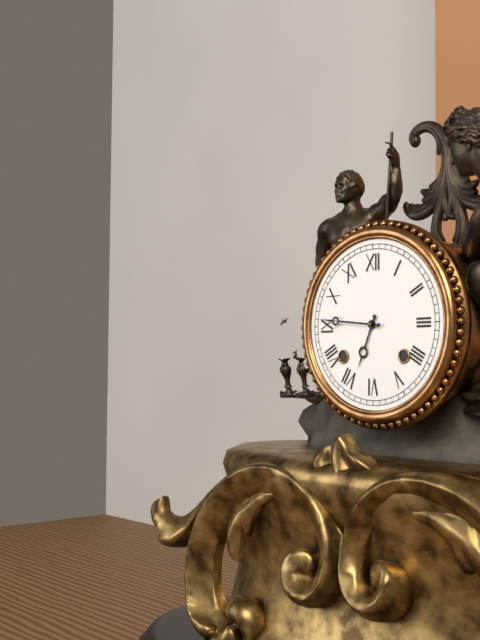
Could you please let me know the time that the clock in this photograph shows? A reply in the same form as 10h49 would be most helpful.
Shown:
6h46
